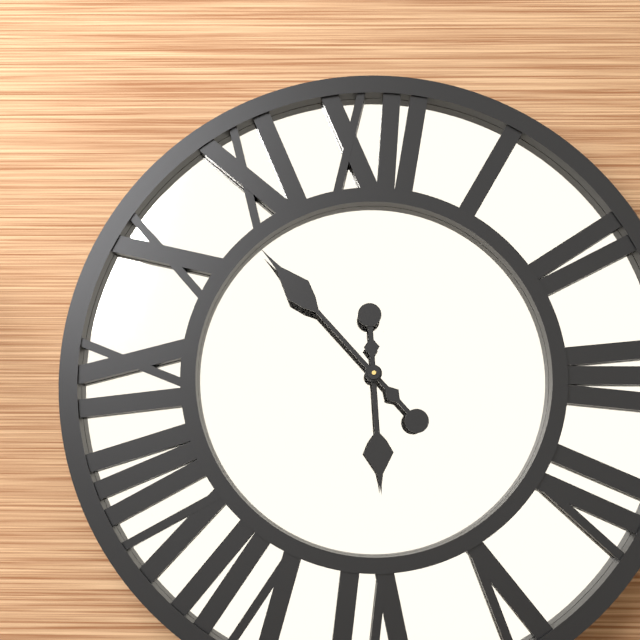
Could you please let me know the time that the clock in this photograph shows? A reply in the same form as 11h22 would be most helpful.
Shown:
5h53
